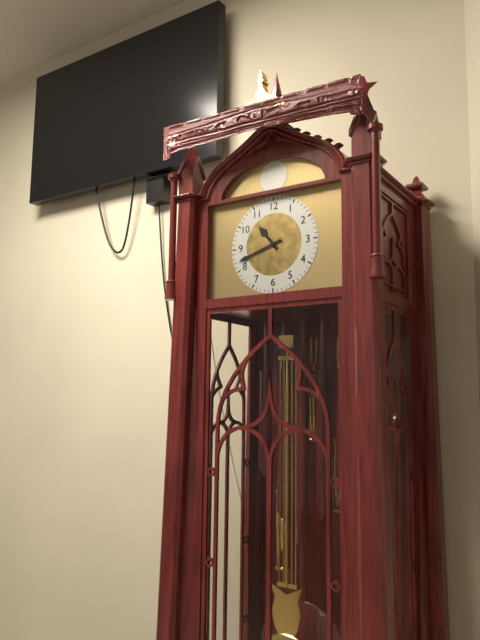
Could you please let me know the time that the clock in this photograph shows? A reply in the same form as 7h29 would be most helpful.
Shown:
10h42
